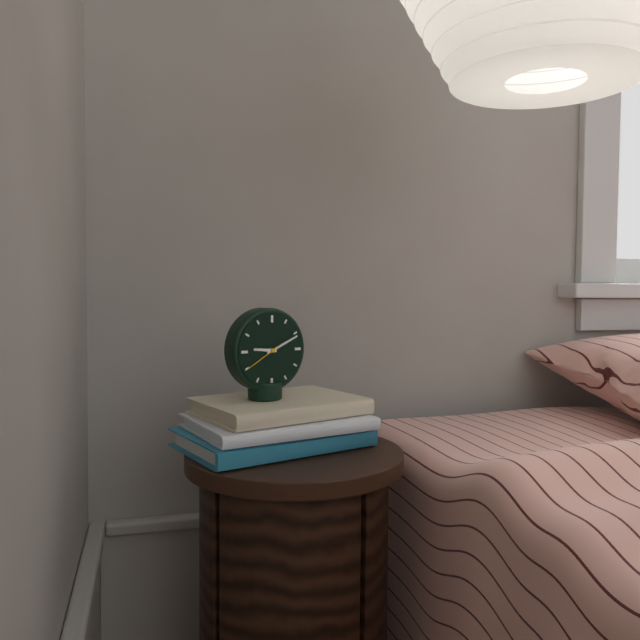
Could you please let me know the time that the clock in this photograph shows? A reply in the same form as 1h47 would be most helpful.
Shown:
9h11
